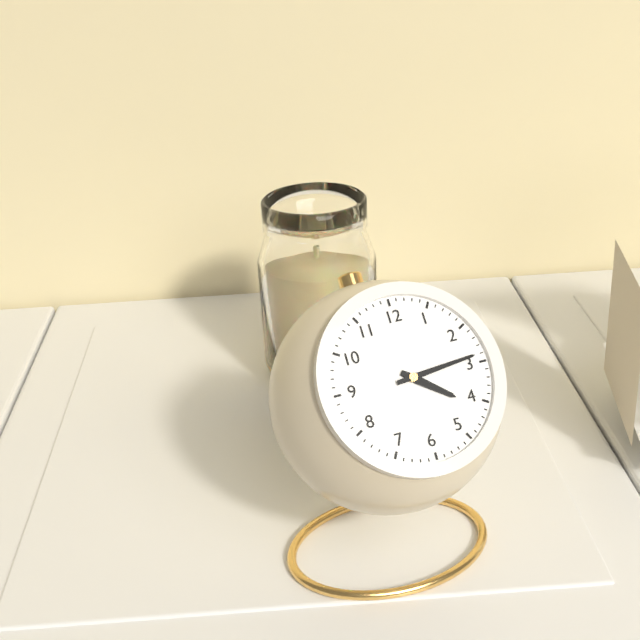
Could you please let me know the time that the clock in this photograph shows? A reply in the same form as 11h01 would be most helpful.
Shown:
4h14
